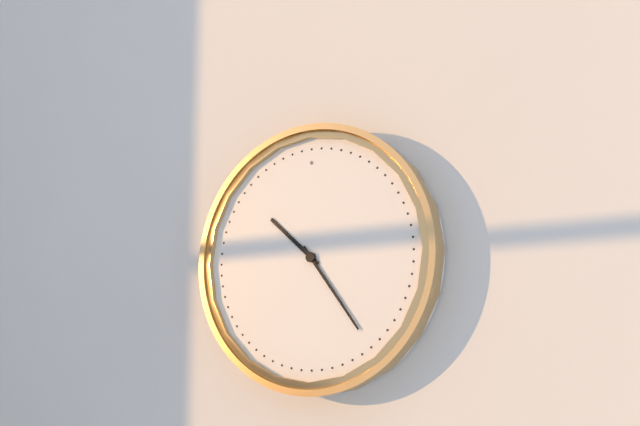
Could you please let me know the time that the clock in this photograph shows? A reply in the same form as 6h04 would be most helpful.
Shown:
10h24
